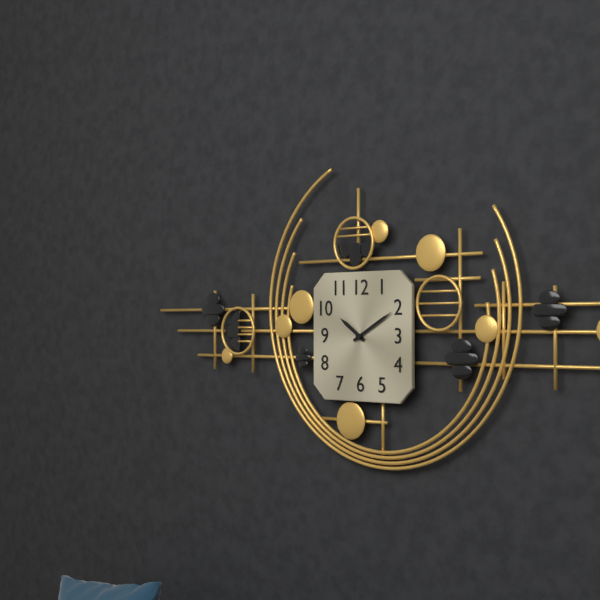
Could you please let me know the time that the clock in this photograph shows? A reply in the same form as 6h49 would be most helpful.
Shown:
10h10
